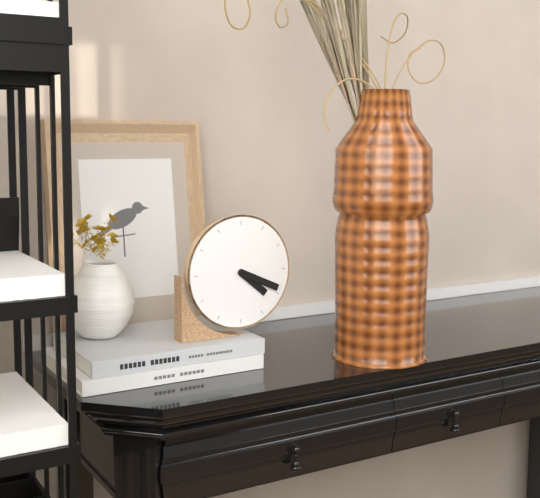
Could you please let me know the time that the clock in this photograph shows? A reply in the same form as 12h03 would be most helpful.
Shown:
4h19
